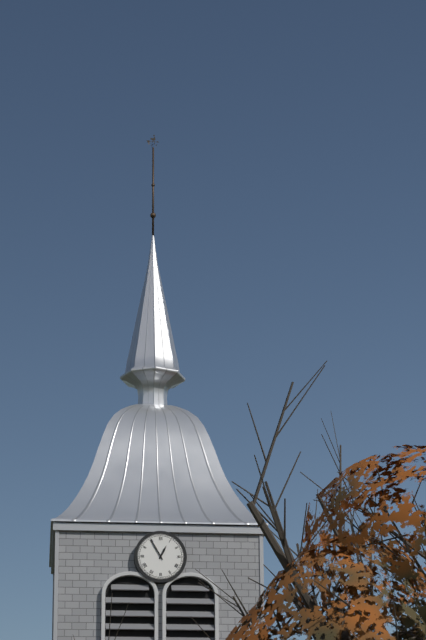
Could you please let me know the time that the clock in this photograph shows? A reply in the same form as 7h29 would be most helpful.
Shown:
12h55
